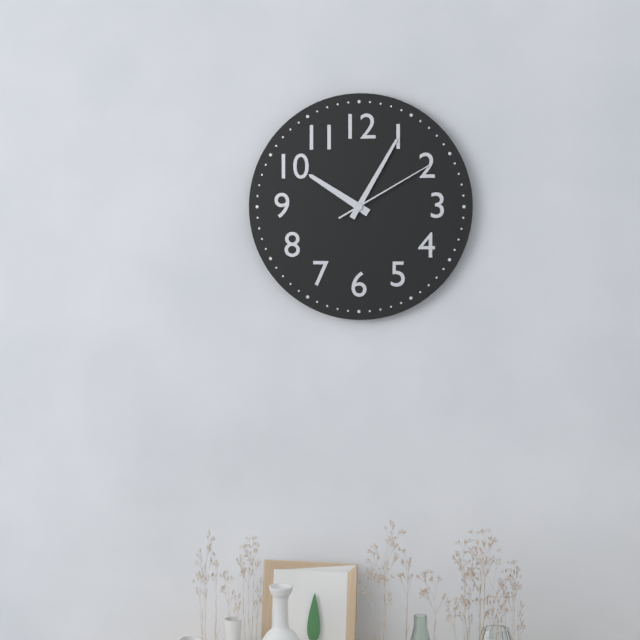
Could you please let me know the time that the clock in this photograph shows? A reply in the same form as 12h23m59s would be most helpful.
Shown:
10h05m10s
